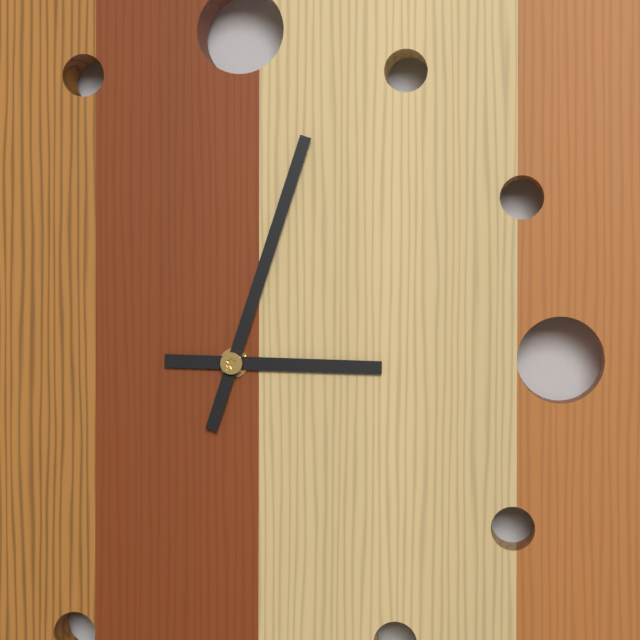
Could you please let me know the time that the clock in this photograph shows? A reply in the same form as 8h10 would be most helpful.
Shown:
3h03
